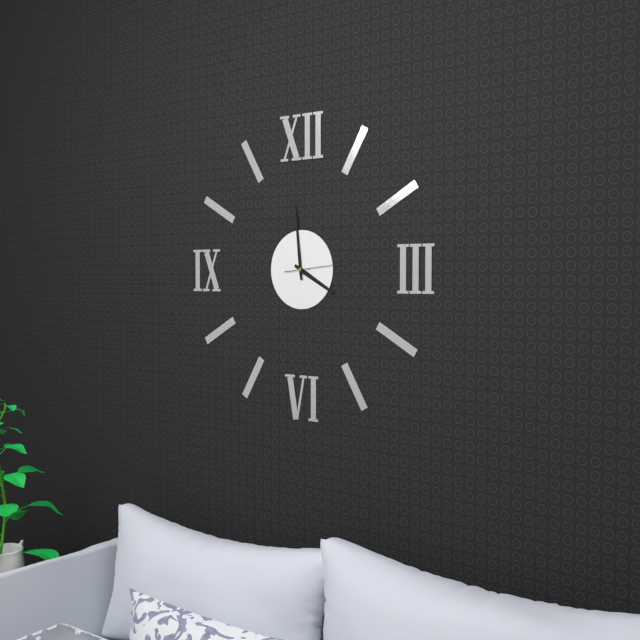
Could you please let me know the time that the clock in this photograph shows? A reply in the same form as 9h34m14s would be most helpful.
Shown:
3h59m14s
